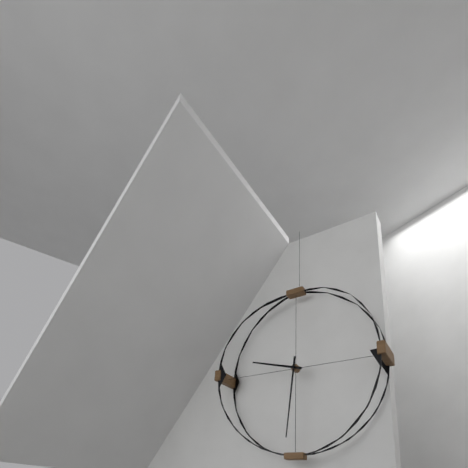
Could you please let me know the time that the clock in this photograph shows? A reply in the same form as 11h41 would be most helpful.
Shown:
9h31
